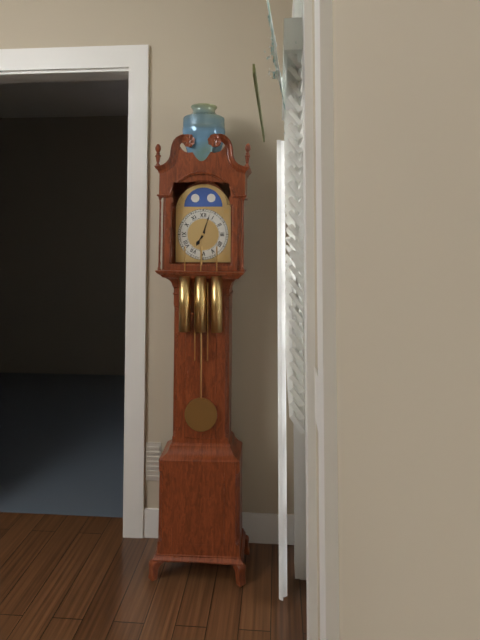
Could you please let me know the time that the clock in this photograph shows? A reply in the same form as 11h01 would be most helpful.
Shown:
7h03
